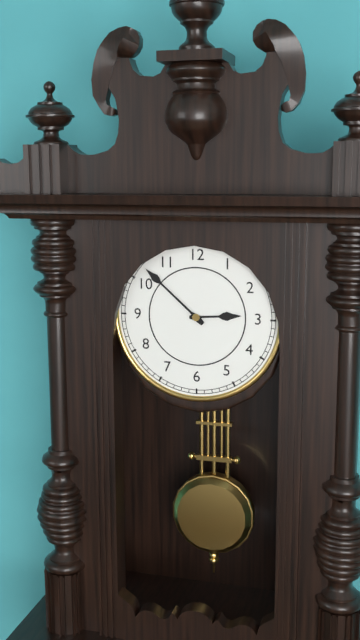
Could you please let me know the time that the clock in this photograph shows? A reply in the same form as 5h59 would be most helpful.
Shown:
2h52
